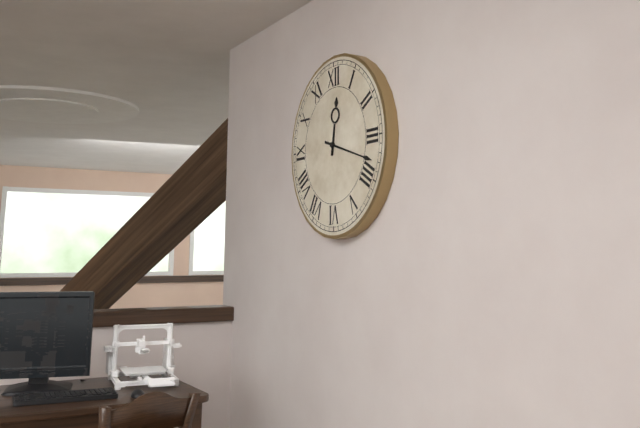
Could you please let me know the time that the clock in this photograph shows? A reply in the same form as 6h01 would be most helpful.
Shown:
12h18
